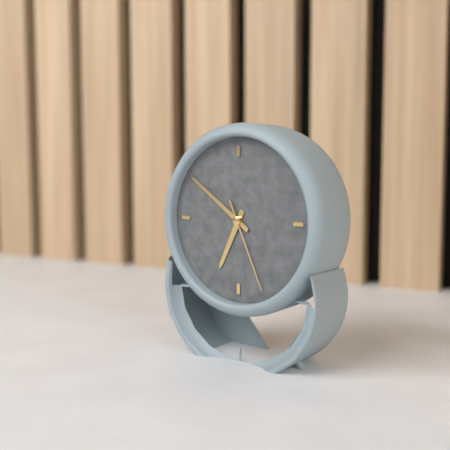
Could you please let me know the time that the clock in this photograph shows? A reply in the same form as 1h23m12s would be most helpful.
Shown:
6h51m26s
